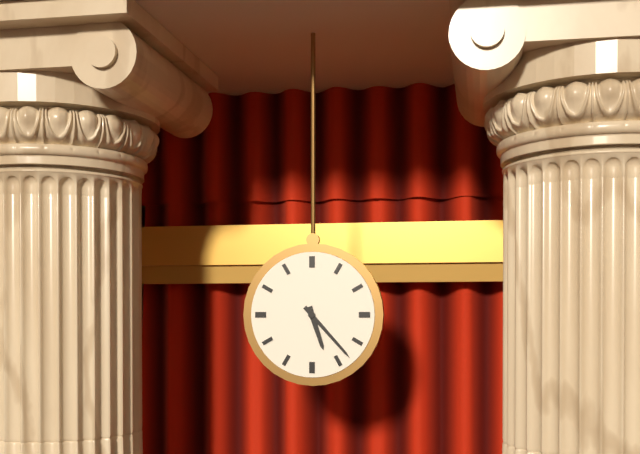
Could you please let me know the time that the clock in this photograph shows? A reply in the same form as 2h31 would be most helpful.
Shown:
5h23
